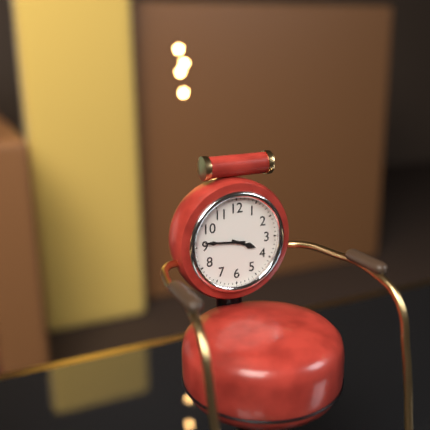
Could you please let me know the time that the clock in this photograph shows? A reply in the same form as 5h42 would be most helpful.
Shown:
3h46
